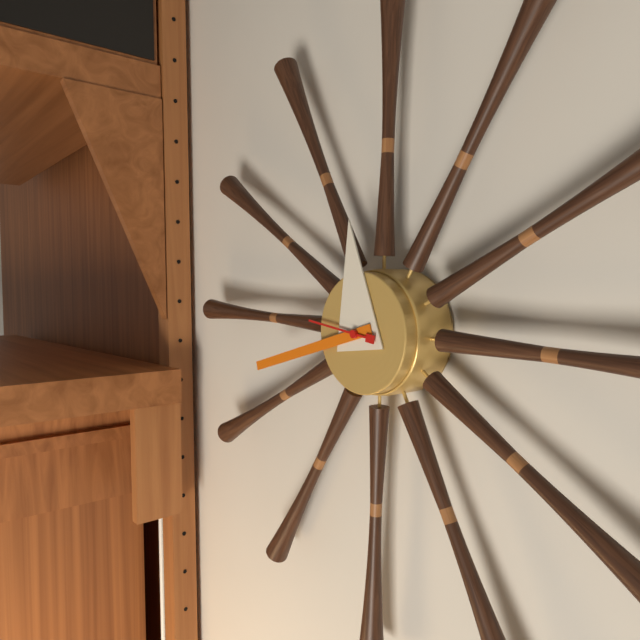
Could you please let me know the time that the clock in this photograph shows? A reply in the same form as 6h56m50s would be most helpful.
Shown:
11h42m46s
